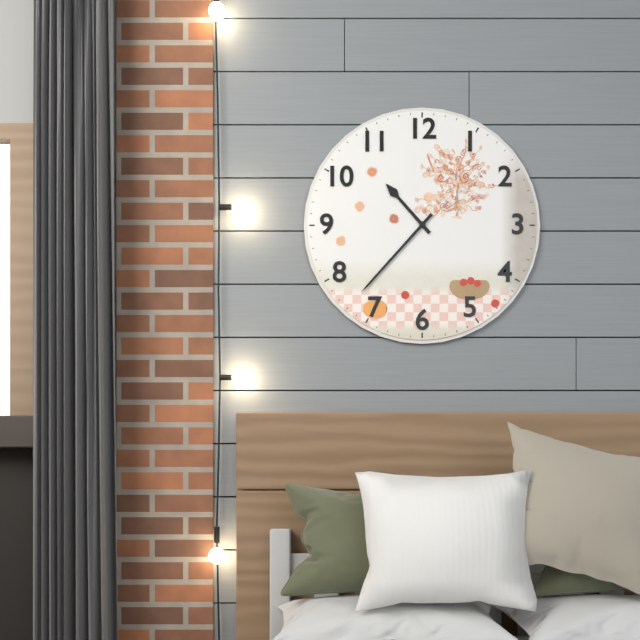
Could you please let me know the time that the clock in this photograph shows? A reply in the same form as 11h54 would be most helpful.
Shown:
10h37
